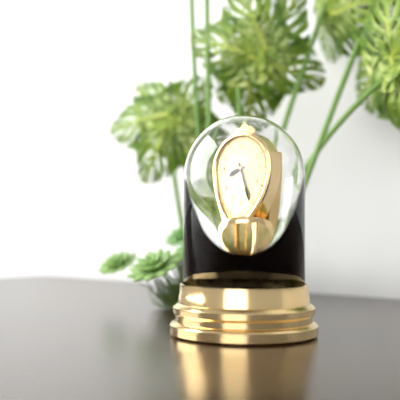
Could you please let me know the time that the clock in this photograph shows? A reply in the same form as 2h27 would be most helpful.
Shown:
8h26
